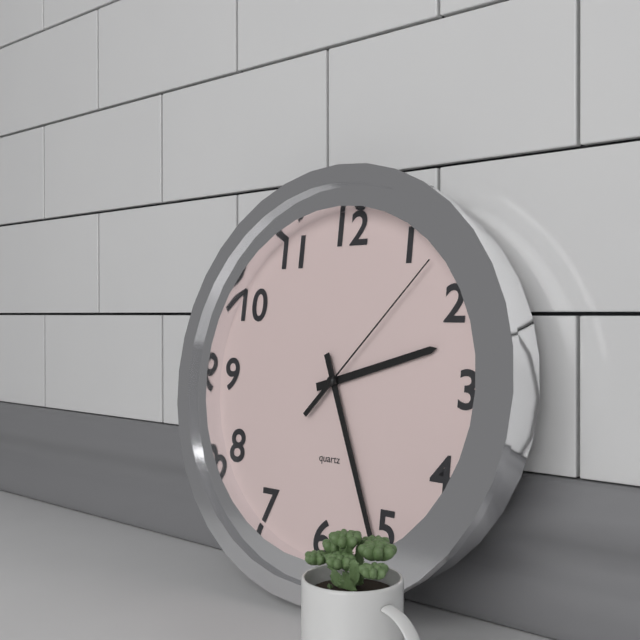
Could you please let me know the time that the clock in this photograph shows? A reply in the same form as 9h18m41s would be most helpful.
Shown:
2h26m07s
